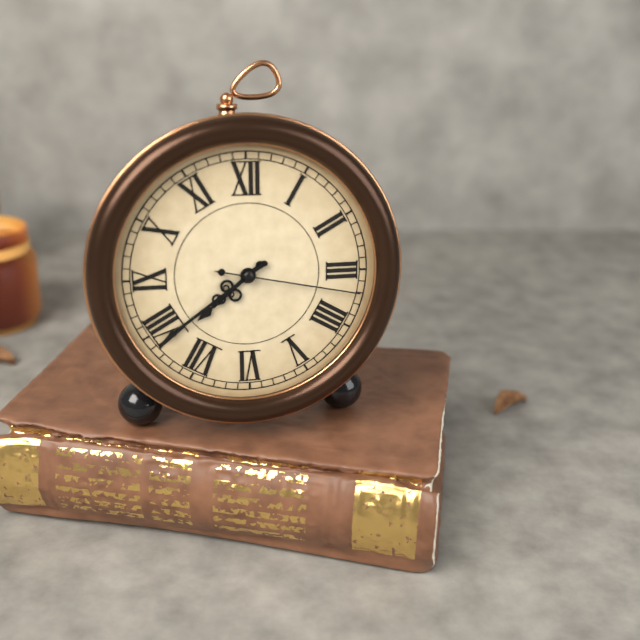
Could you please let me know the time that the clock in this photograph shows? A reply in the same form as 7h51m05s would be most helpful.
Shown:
7h39m17s
